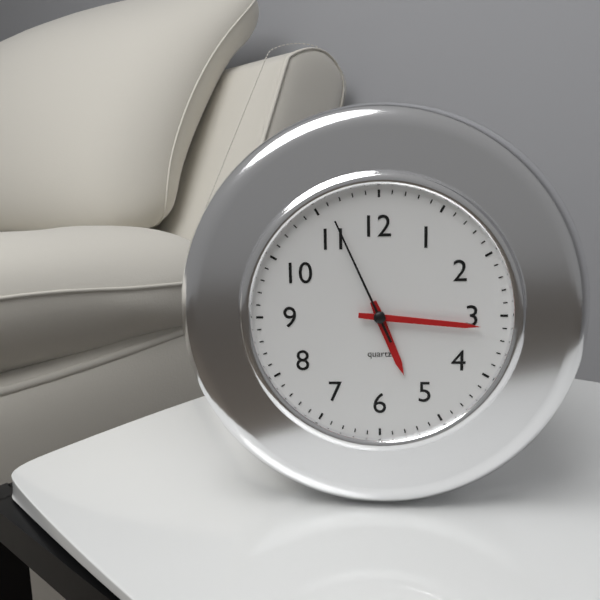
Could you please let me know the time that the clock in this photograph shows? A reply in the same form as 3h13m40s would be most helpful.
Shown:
5h16m56s
